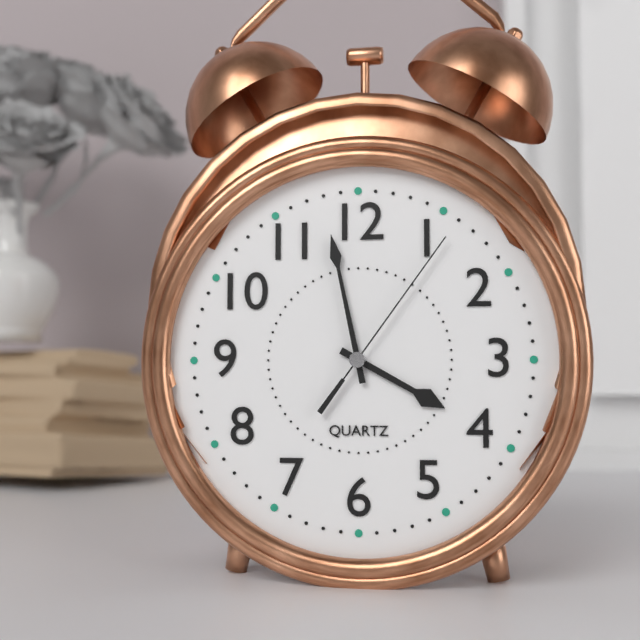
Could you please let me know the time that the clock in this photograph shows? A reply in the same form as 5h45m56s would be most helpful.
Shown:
3h58m06s
